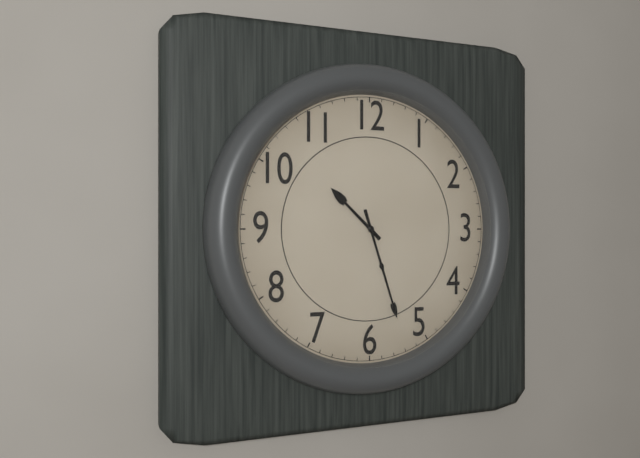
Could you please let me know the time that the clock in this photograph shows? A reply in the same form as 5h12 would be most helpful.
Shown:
10h27
